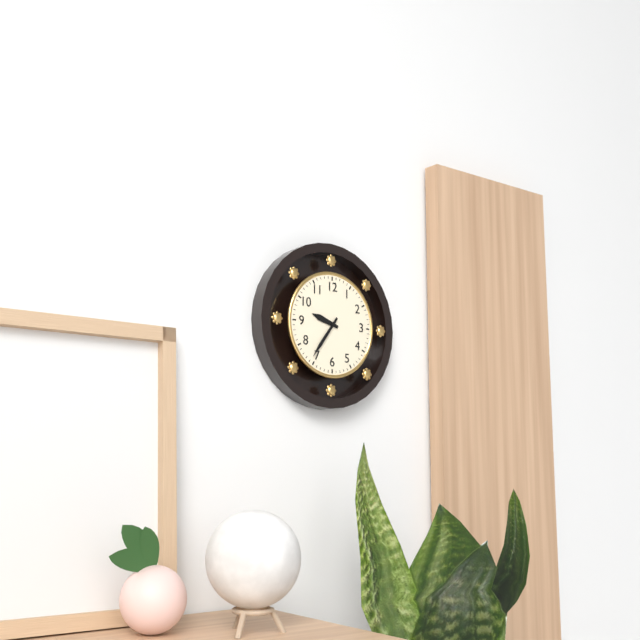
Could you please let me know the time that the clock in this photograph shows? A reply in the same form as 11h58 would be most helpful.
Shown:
9h36
